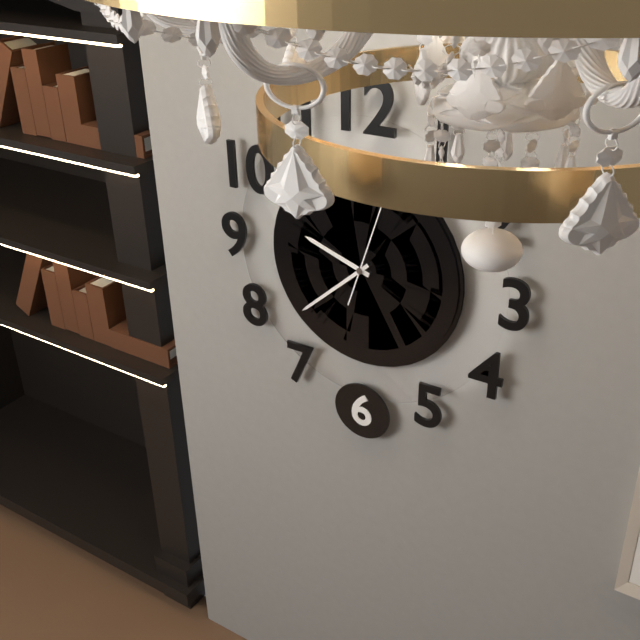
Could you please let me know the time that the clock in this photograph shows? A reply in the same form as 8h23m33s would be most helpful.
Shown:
9h38m03s
